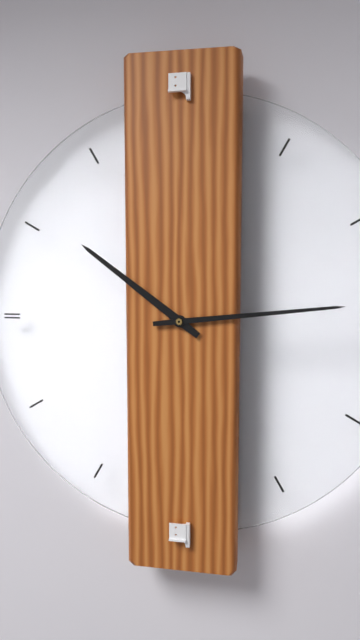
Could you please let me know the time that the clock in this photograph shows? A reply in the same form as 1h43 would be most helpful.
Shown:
10h14
